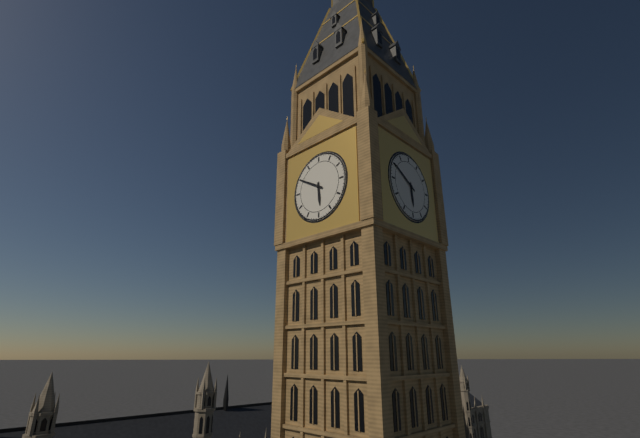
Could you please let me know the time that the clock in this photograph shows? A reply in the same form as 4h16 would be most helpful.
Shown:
5h50
